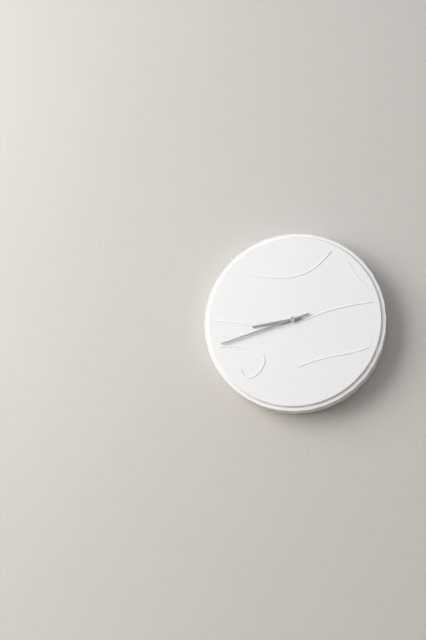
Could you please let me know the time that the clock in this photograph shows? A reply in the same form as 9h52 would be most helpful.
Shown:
8h42
